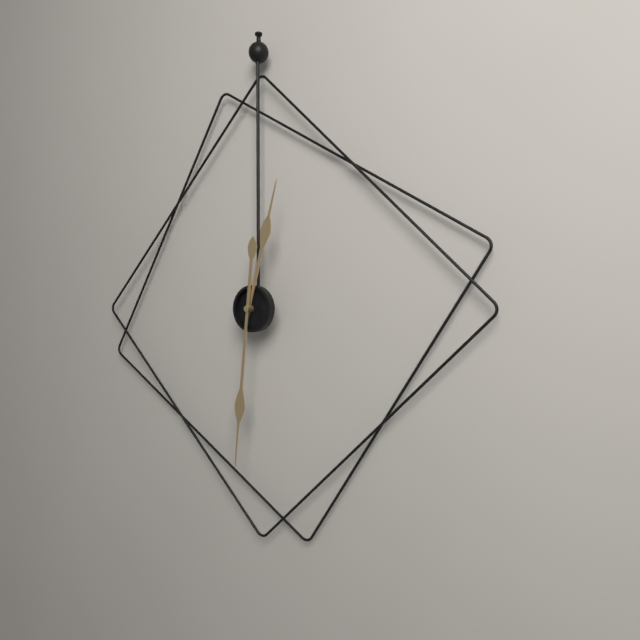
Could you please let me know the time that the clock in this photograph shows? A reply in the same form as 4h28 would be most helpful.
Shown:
12h31
